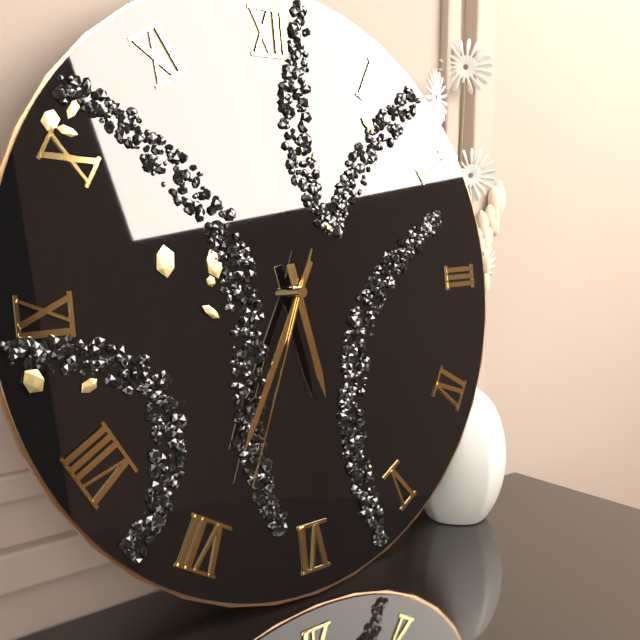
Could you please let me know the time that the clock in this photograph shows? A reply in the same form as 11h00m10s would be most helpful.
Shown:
5h35m34s
